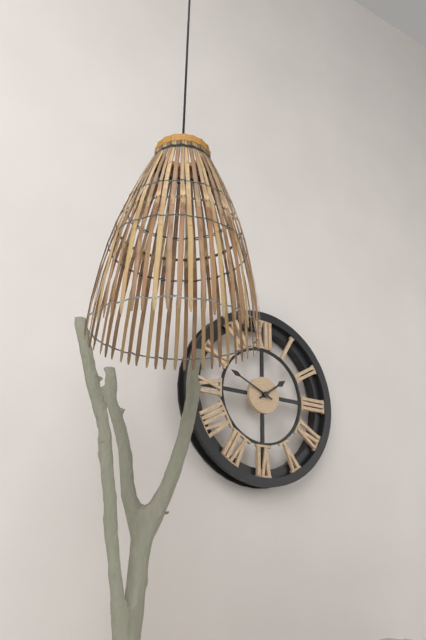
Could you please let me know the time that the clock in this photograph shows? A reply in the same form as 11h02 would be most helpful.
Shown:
1h49
